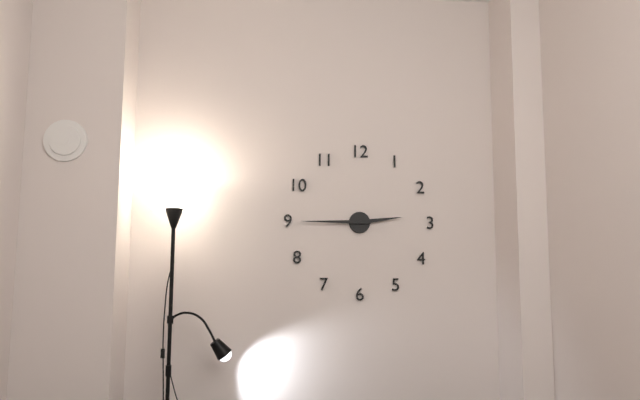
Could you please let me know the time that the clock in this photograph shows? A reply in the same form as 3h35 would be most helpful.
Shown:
2h45
